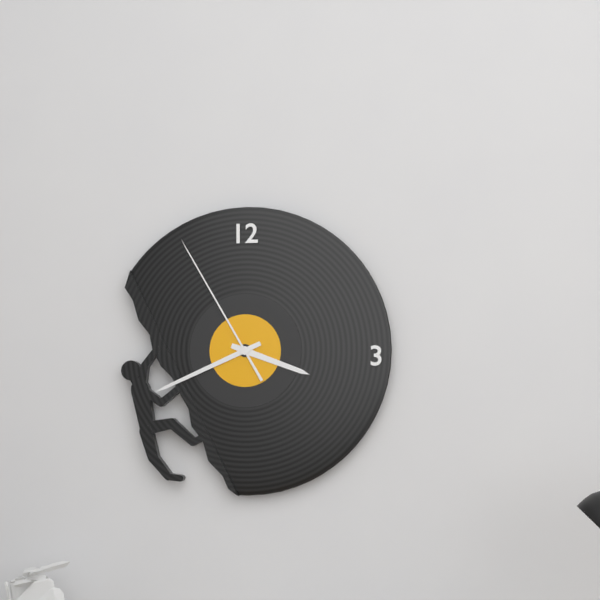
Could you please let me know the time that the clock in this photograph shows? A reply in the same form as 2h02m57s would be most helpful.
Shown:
3h41m55s
